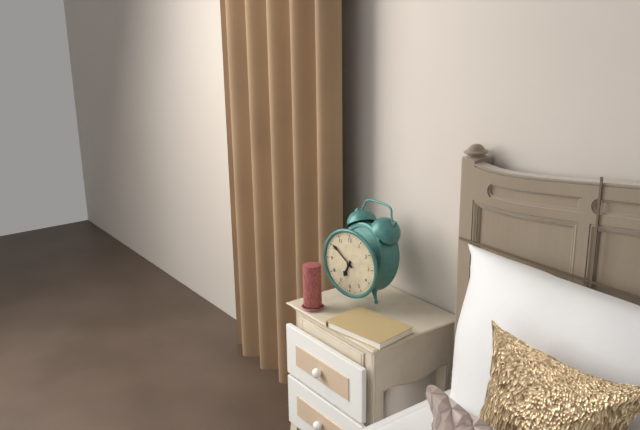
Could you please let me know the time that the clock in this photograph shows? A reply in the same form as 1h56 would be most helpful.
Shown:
6h51
